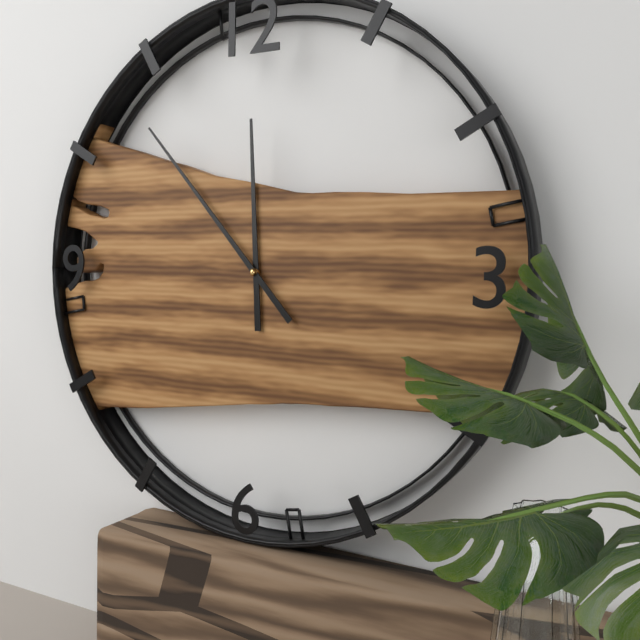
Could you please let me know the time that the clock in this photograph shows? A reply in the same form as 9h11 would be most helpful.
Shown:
11h53
